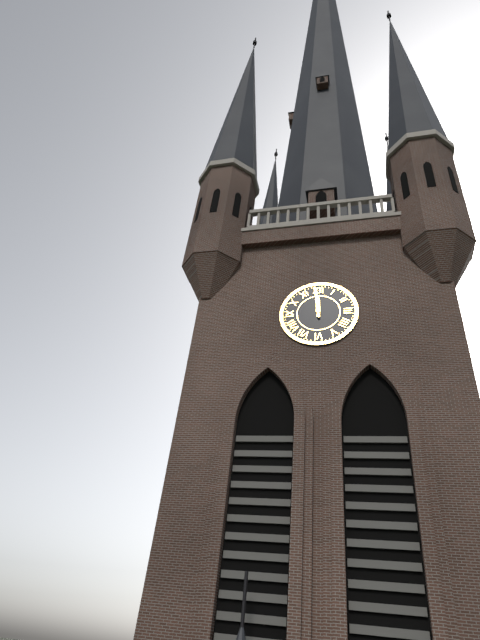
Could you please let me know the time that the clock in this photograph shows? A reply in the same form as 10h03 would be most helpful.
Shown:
11h59
